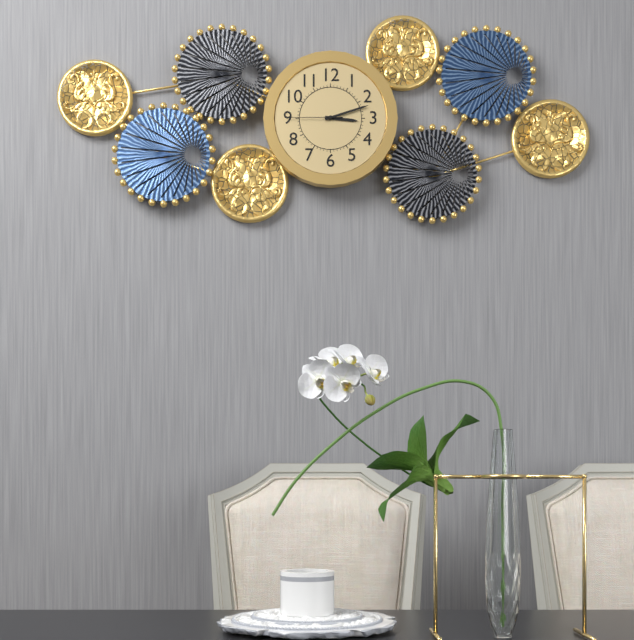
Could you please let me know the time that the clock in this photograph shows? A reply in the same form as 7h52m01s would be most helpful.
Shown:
3h12m45s
